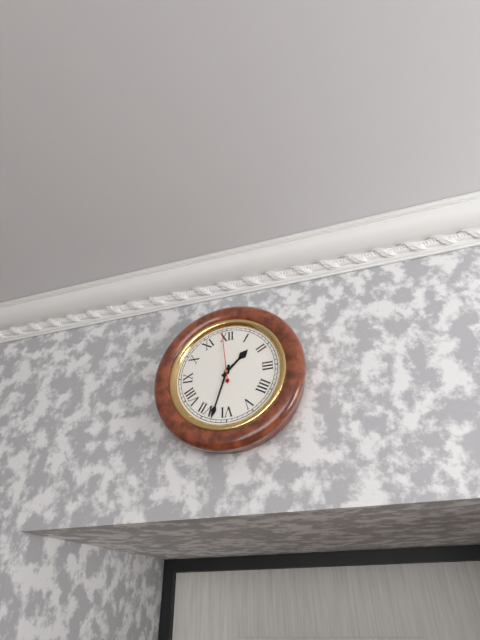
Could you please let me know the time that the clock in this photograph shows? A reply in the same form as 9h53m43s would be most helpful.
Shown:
1h33m59s
